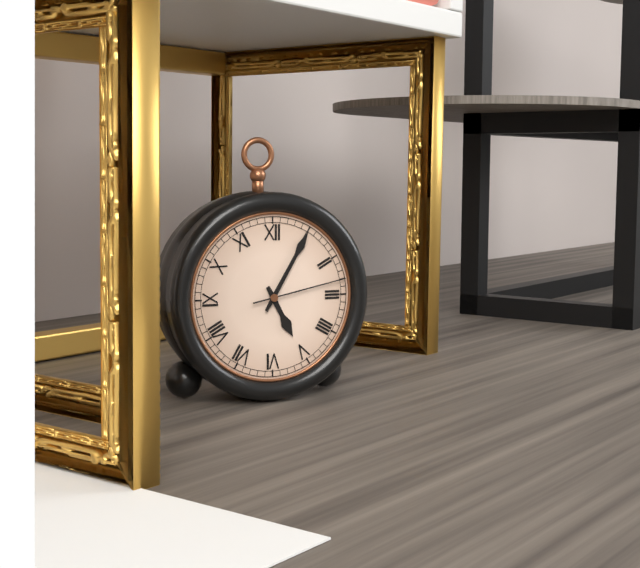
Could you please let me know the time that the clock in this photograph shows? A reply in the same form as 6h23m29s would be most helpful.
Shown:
5h05m13s
